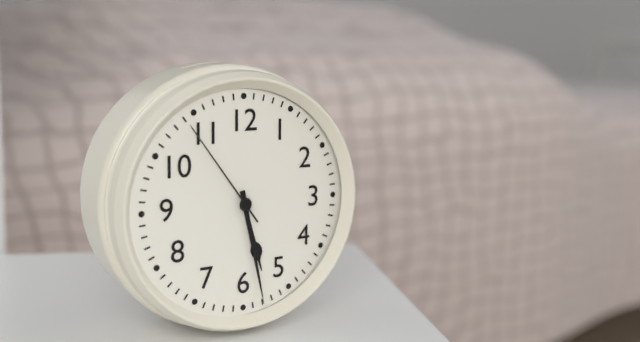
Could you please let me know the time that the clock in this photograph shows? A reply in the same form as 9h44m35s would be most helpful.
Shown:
5h28m54s
